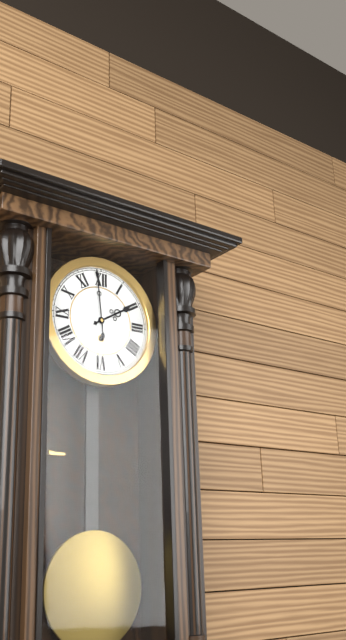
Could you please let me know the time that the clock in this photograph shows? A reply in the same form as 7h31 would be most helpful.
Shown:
1h59
